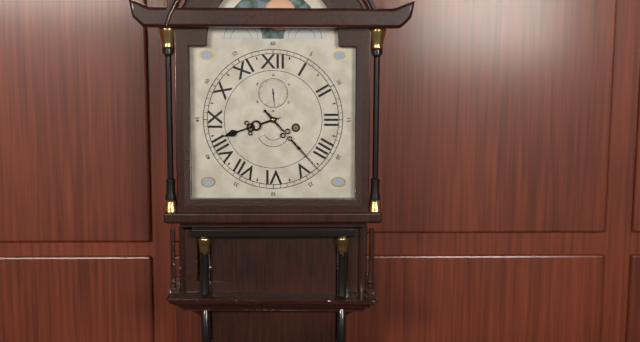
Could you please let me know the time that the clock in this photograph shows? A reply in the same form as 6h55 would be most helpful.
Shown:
8h23
